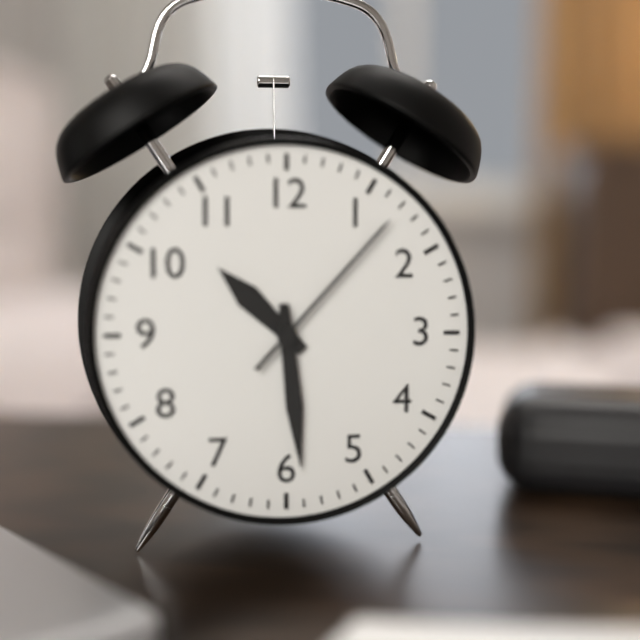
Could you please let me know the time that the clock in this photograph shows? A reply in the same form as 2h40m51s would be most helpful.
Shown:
10h29m07s
